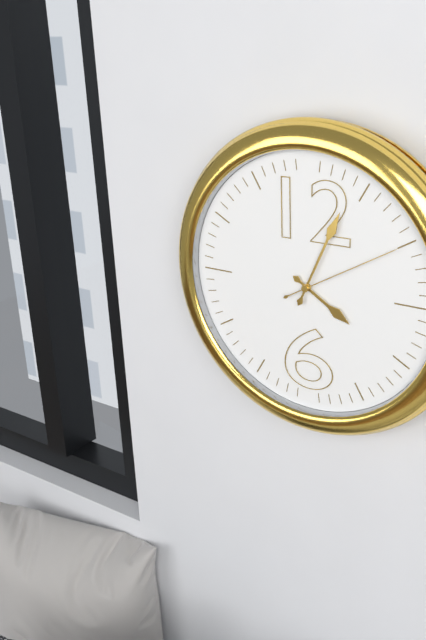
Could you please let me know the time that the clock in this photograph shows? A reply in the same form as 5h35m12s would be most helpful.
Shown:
4h04m10s
